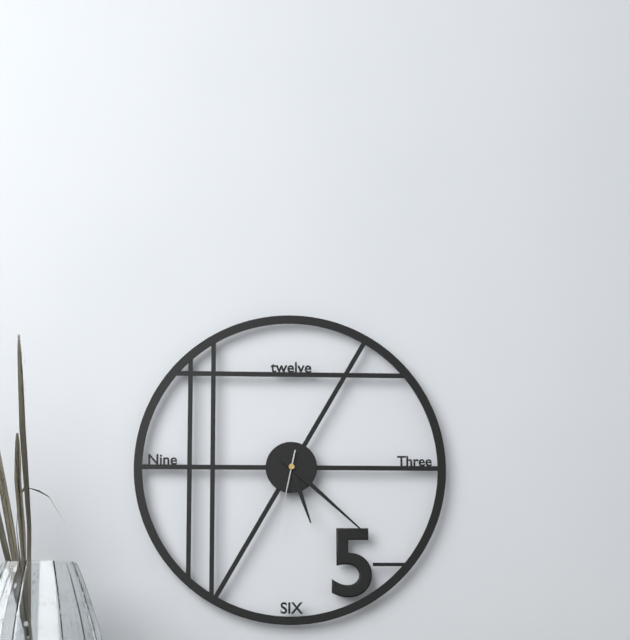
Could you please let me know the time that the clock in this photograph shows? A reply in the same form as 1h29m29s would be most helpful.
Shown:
5h22m32s
